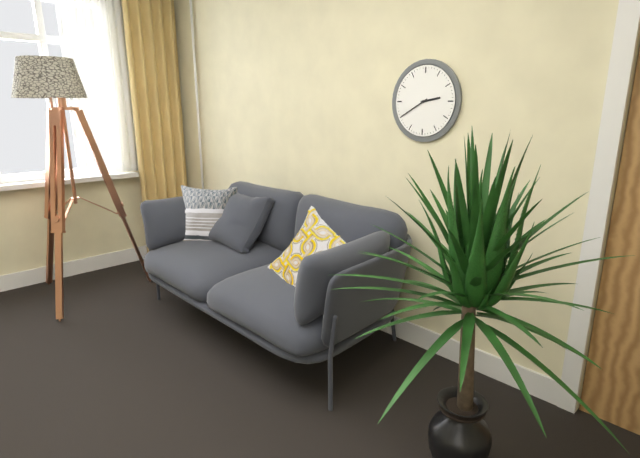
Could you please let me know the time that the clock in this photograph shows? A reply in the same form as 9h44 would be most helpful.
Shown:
2h40
